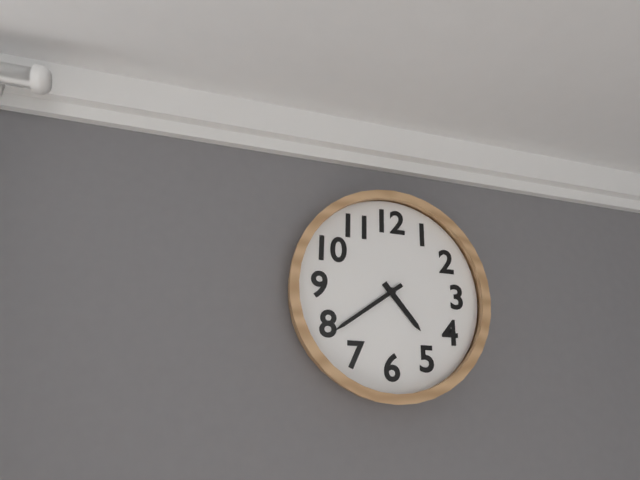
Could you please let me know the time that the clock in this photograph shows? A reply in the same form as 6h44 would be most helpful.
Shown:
4h39
